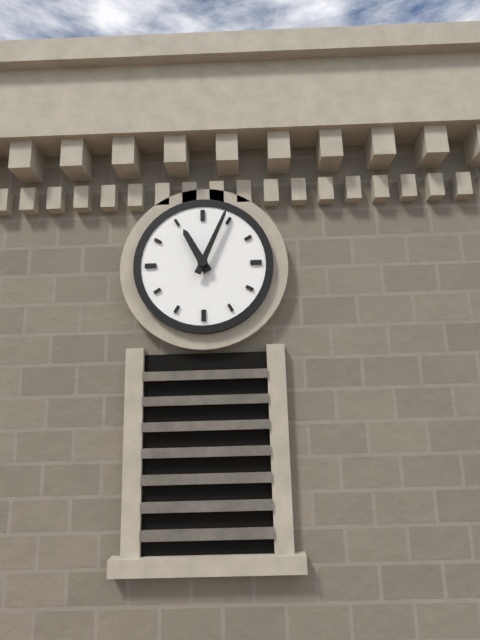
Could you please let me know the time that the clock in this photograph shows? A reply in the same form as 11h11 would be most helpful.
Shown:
11h04
